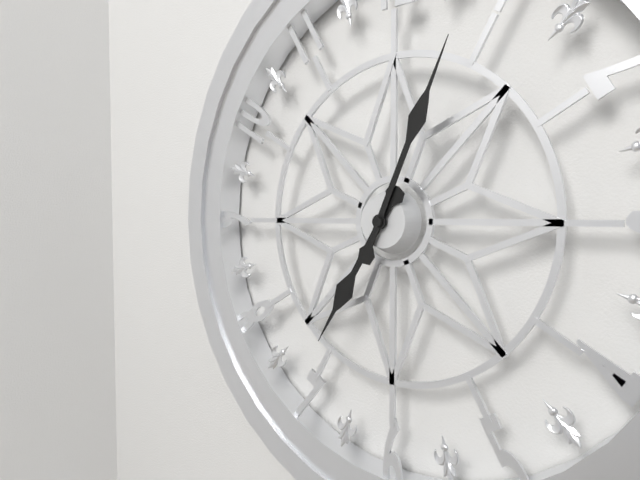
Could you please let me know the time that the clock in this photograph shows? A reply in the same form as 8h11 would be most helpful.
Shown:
7h04
